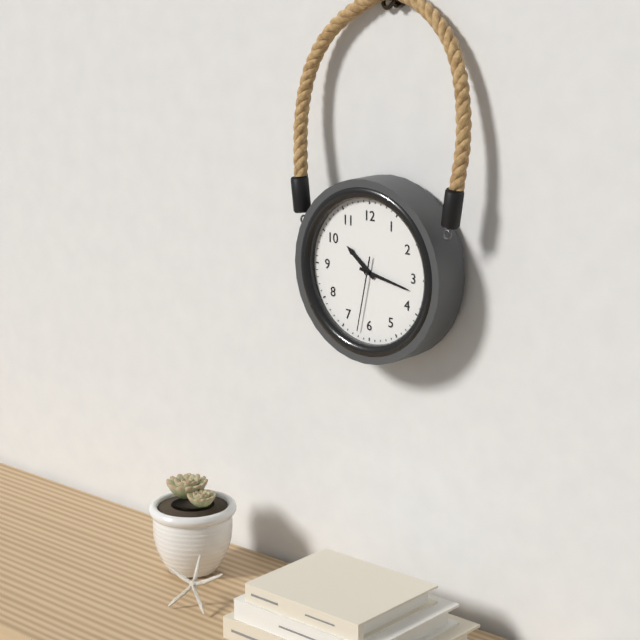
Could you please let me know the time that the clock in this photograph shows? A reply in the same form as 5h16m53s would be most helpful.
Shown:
10h17m32s
